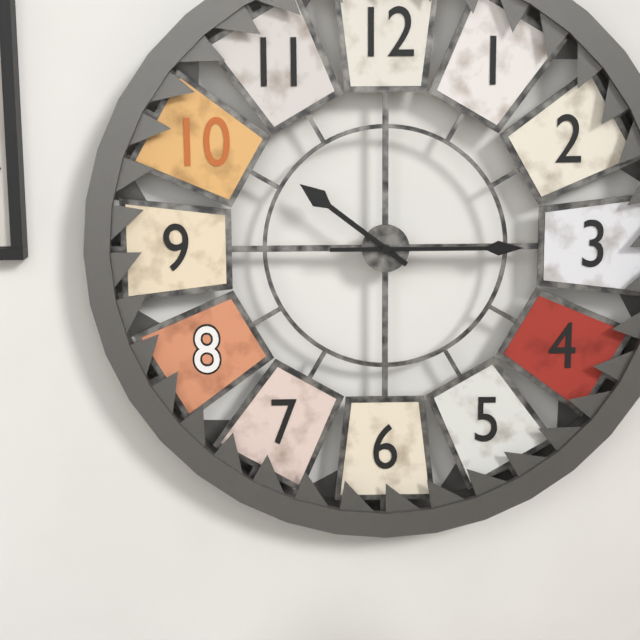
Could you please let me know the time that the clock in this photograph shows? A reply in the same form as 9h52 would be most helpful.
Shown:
10h15
